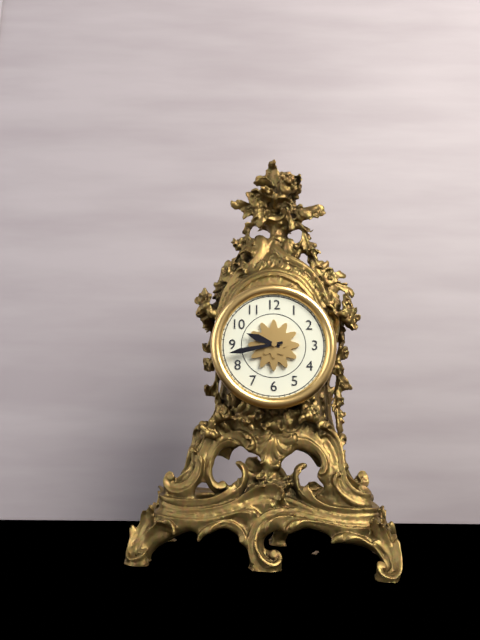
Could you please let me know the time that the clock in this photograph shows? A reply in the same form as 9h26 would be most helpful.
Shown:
9h43
